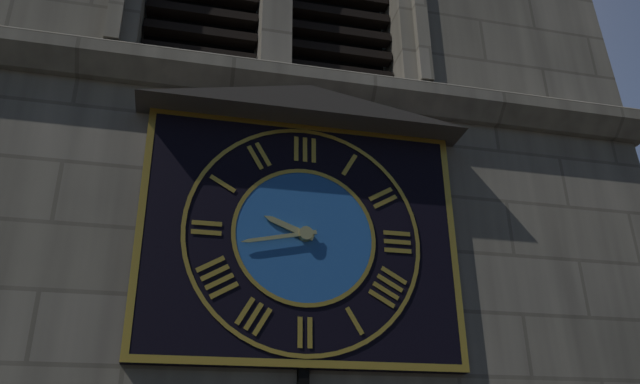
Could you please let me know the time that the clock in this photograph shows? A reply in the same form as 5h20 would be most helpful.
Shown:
9h43
